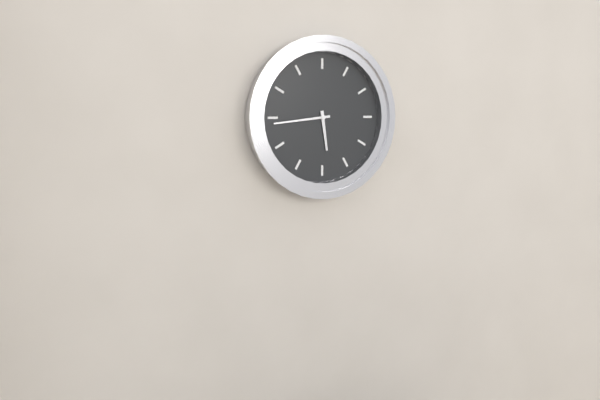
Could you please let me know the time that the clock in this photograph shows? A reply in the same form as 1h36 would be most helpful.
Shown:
5h44
